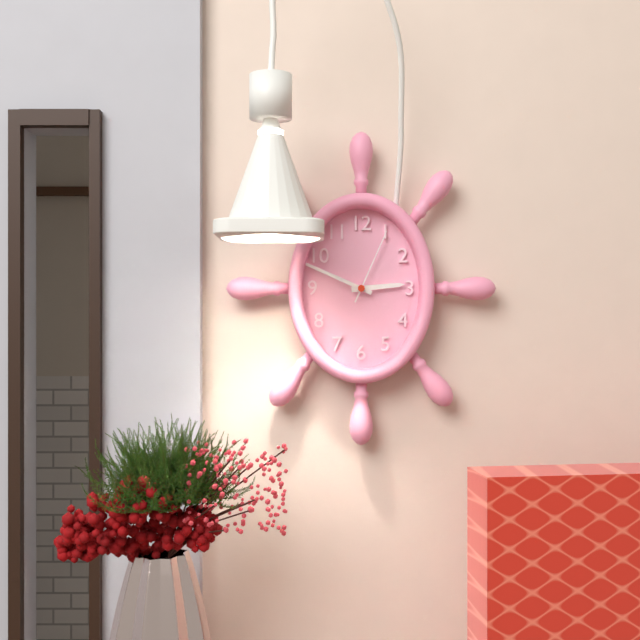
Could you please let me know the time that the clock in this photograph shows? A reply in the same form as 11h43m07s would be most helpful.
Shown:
2h49m04s
